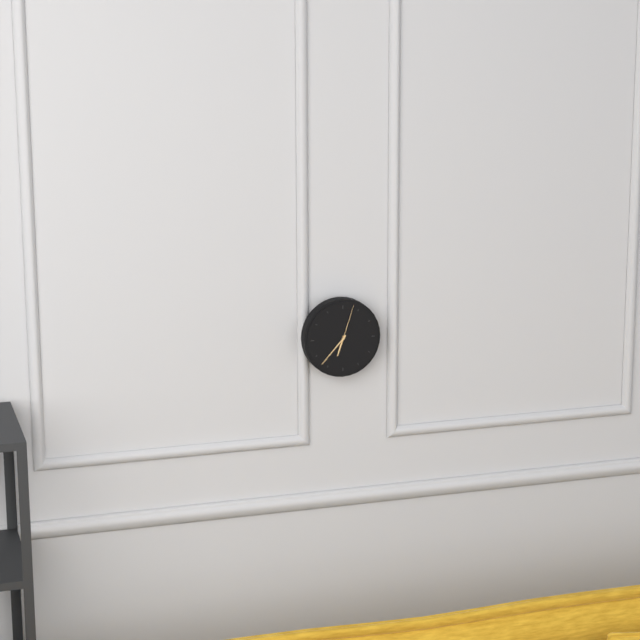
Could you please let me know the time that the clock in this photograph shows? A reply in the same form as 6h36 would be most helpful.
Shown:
6h37
